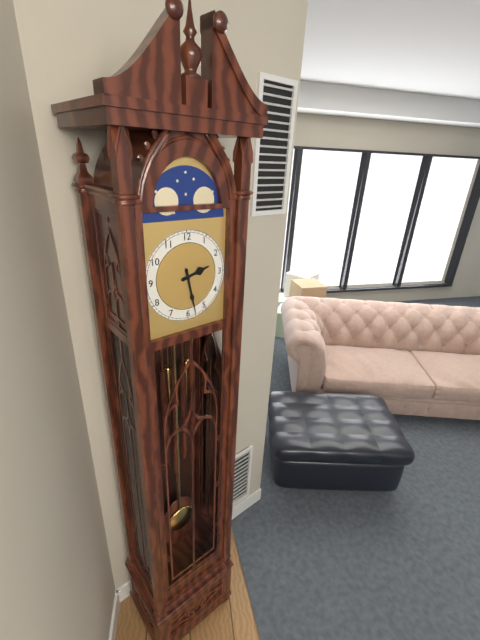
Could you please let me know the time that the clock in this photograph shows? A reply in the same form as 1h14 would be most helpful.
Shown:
2h28
